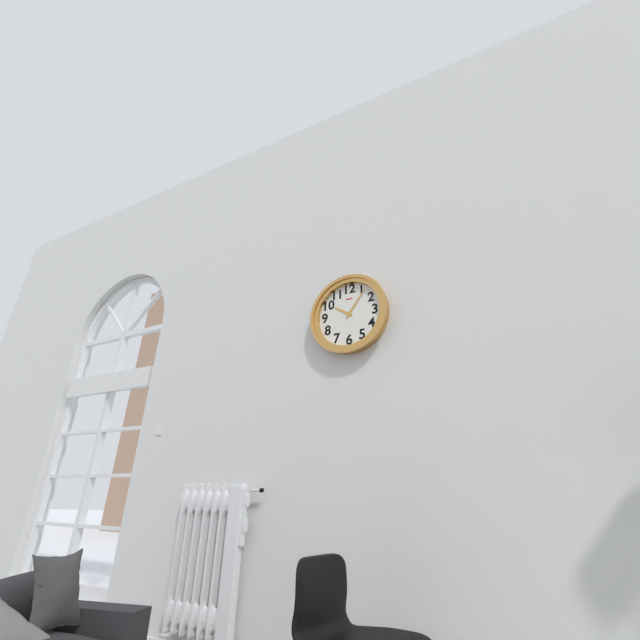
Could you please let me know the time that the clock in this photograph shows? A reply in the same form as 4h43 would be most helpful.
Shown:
10h06
